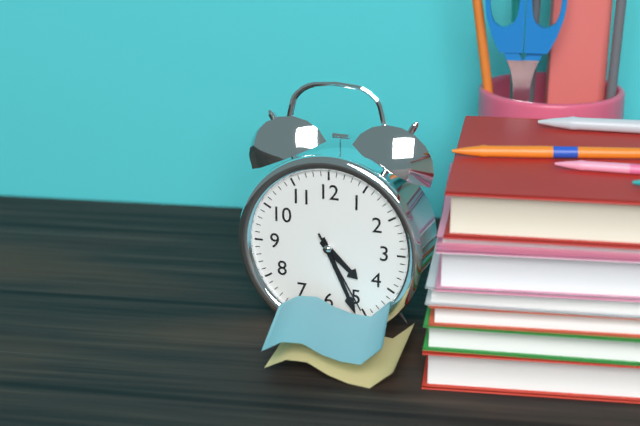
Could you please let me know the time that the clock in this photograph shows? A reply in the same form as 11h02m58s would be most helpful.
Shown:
4h26m25s
